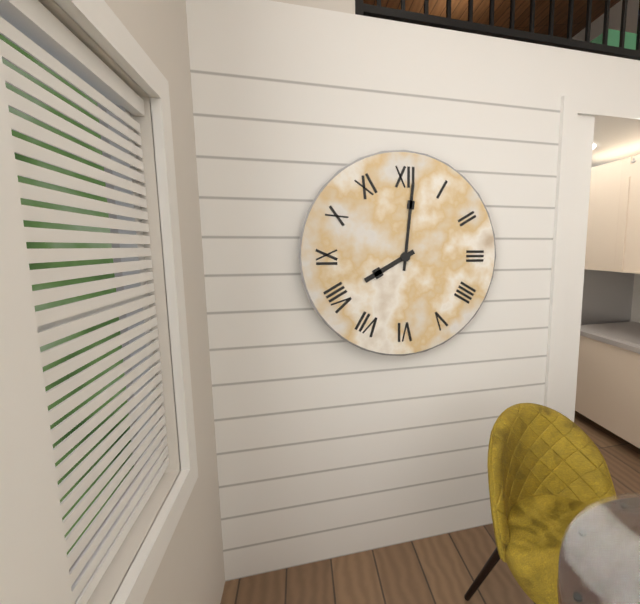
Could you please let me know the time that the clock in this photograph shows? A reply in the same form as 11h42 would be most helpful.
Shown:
8h01
